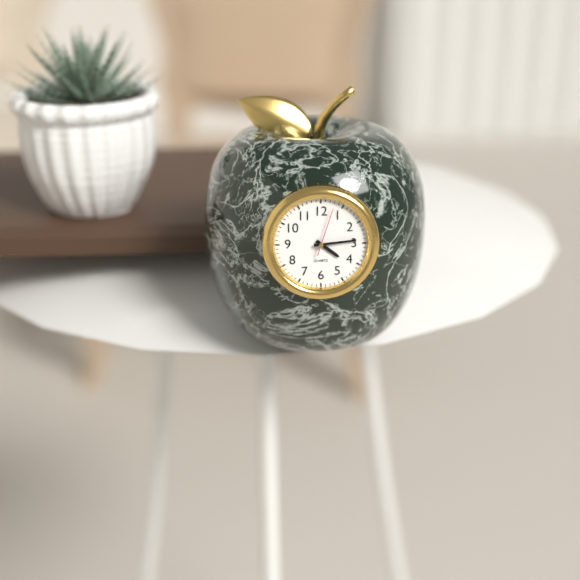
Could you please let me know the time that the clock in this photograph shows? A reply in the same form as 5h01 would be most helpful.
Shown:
4h14
